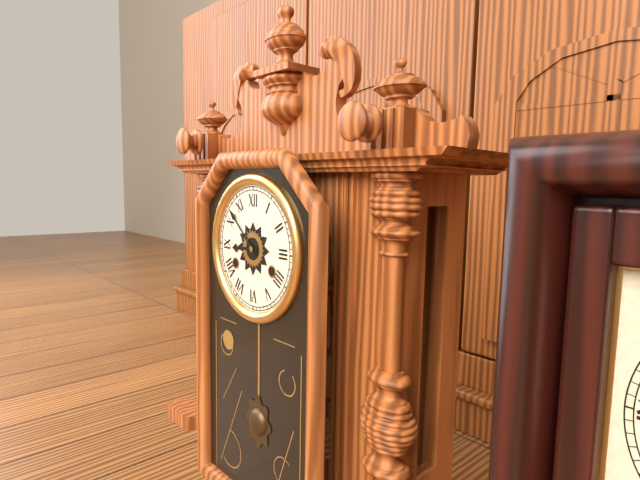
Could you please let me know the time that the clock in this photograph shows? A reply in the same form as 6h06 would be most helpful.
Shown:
8h52
